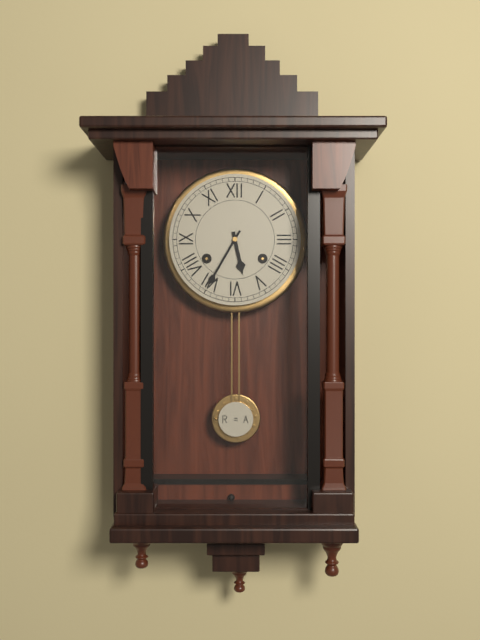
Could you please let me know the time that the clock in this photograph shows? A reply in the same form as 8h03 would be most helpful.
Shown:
5h35
